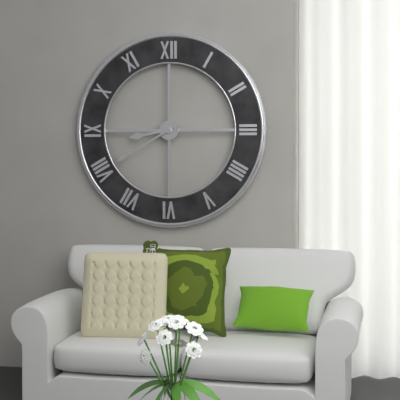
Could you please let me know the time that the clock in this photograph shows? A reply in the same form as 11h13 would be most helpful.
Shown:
8h40
